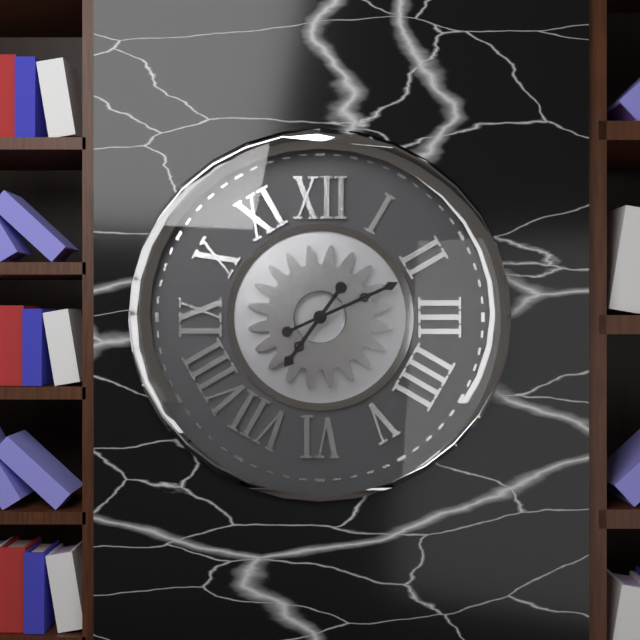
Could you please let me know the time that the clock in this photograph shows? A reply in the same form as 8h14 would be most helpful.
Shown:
7h11
